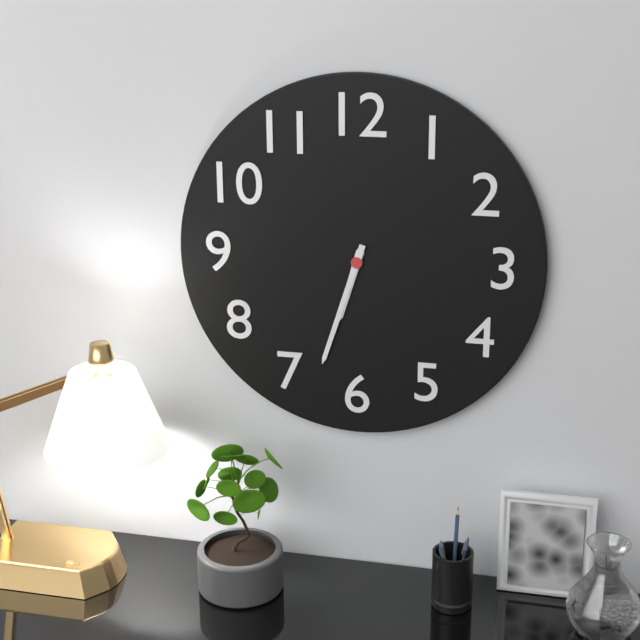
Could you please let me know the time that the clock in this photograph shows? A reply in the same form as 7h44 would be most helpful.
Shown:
6h33
